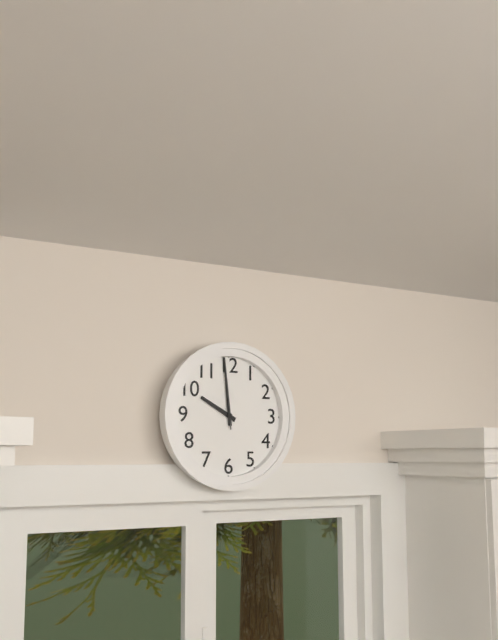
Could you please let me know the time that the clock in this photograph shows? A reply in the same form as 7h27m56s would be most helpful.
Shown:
9h59m59s
